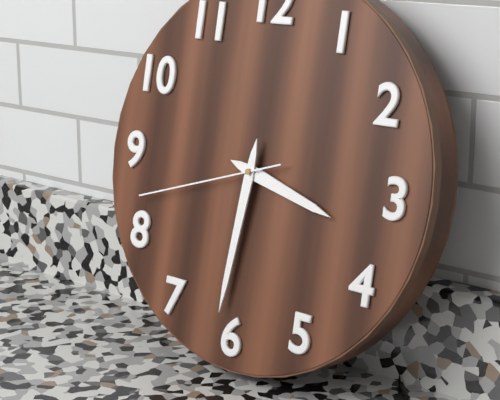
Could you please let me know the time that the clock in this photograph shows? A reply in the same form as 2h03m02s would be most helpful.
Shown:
3h31m42s
